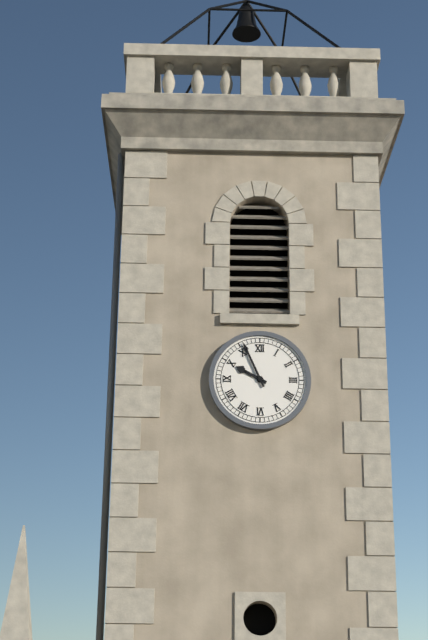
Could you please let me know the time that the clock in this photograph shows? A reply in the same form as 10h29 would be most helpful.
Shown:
9h56
